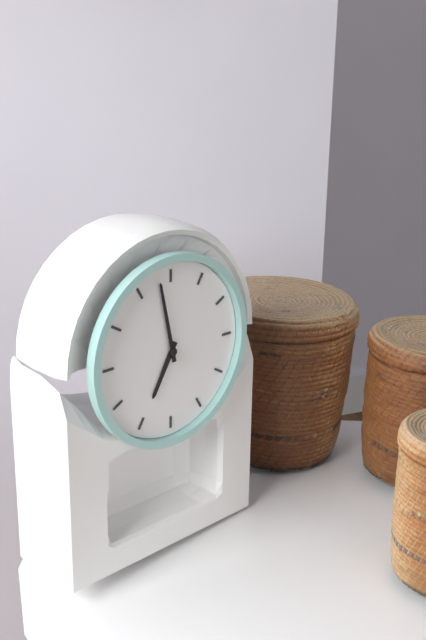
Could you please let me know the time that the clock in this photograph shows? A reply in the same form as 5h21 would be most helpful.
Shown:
6h58
